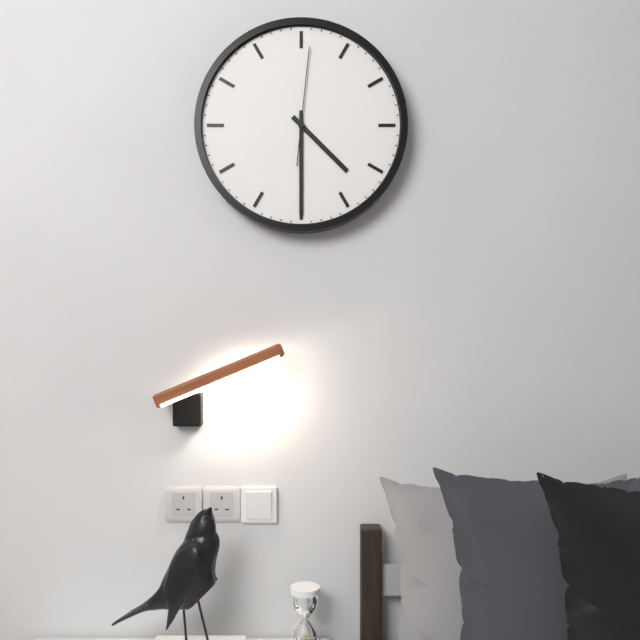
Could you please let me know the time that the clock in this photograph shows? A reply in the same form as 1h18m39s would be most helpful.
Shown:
4h30m01s
